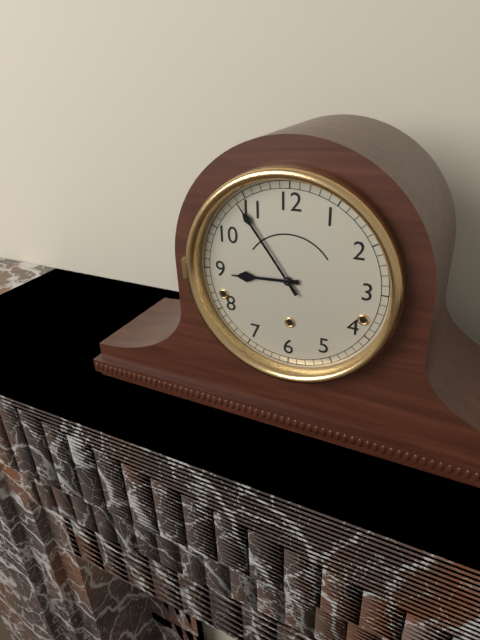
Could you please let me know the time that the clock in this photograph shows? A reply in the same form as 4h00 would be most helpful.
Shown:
8h54
